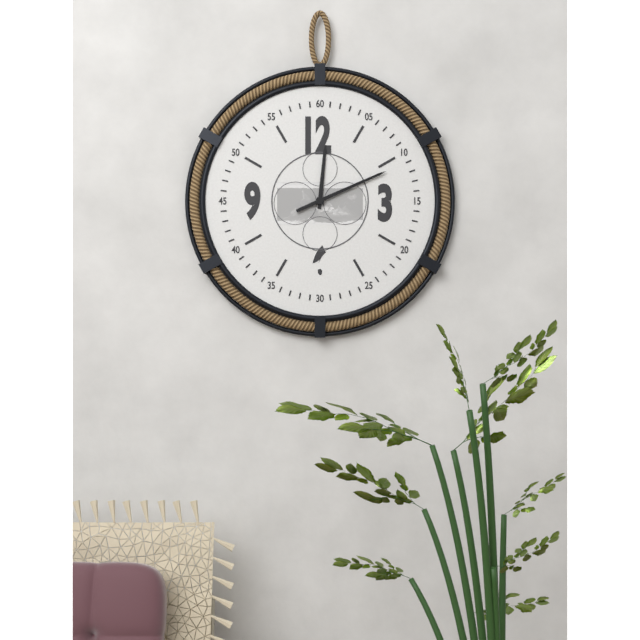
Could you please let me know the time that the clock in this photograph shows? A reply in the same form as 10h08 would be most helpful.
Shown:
12h11
